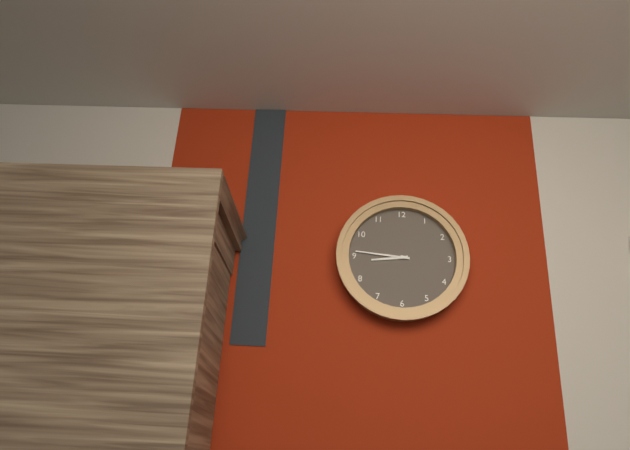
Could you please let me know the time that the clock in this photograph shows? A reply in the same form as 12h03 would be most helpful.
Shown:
8h46
